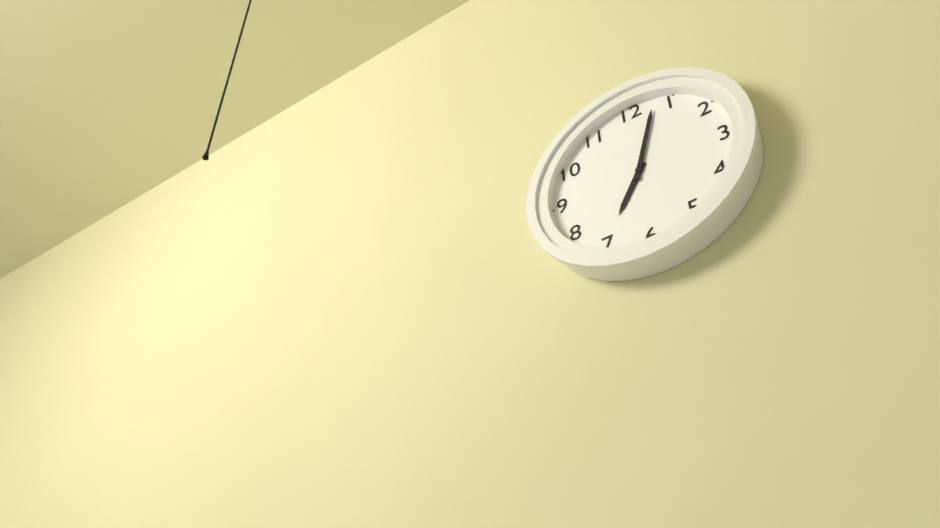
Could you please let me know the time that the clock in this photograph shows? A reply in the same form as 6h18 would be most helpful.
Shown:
7h03
